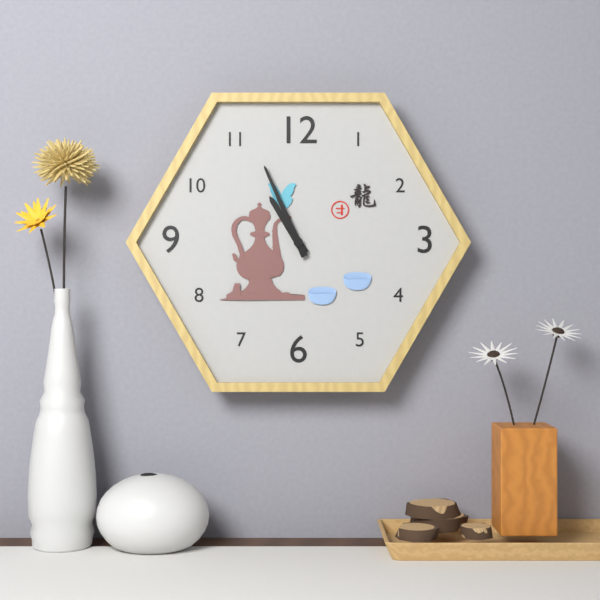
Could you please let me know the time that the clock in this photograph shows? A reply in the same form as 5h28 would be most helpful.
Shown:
10h56
